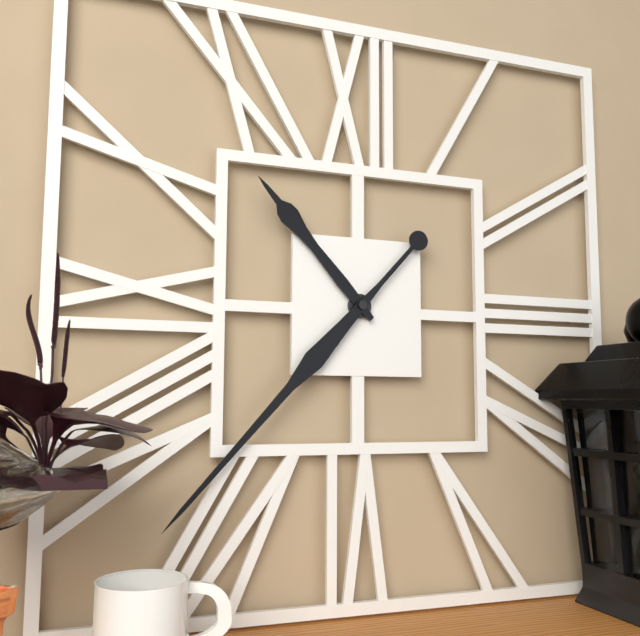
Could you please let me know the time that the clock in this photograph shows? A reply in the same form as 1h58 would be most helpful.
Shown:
10h37
